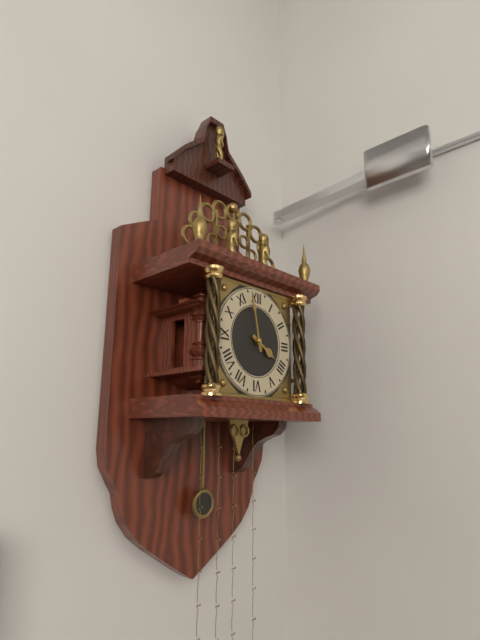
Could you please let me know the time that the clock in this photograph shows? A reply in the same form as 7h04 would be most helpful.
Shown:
3h58
